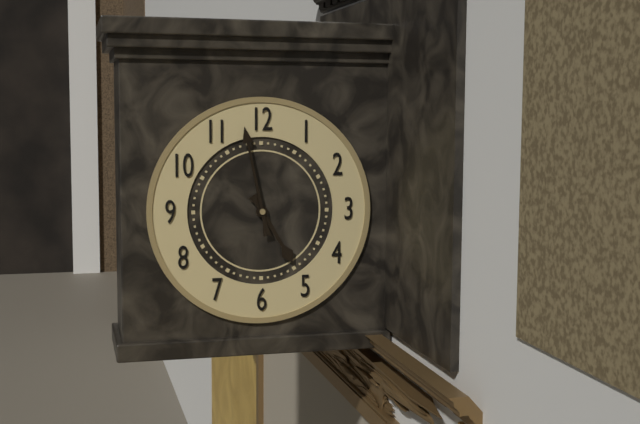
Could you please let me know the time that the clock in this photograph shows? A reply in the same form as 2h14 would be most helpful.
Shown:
4h58
